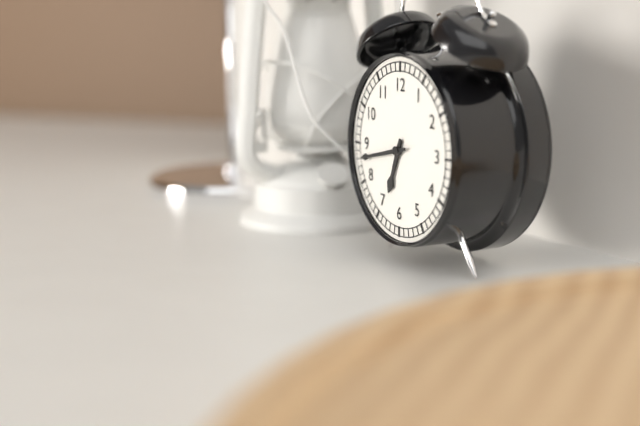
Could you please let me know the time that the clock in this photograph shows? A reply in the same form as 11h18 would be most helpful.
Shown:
6h43
